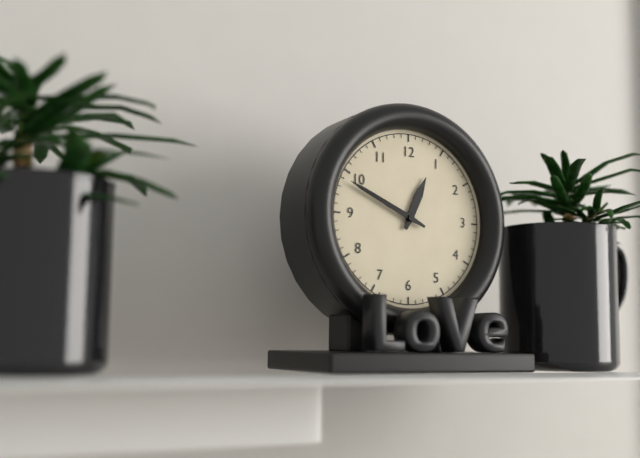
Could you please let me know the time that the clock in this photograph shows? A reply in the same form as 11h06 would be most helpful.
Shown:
12h49
